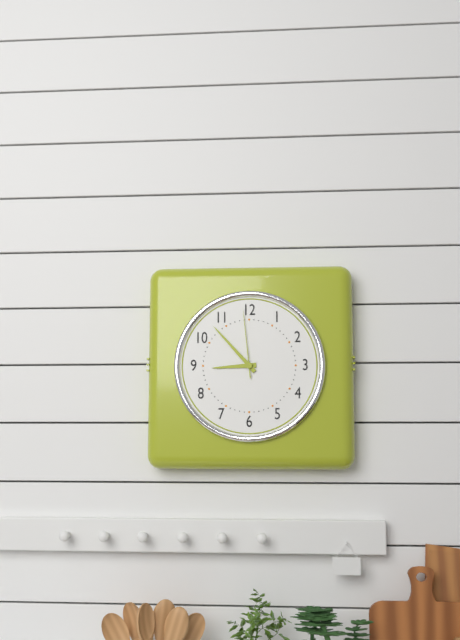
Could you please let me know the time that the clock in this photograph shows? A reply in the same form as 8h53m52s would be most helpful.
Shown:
8h53m59s
